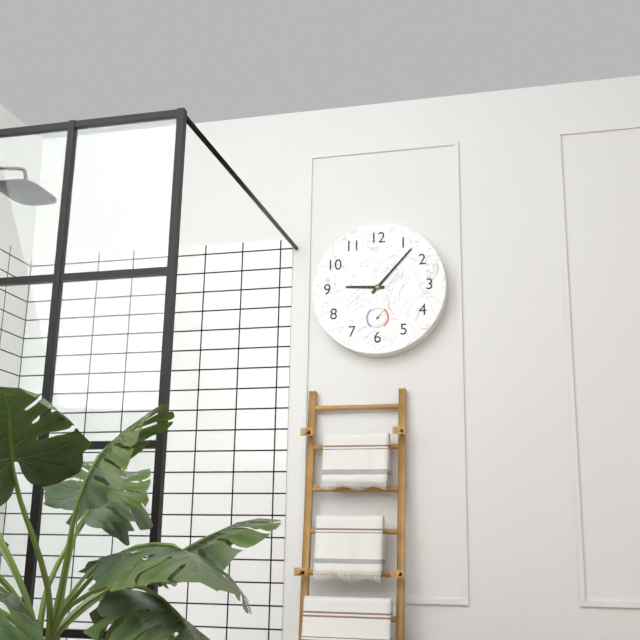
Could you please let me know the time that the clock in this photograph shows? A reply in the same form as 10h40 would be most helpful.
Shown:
9h07
